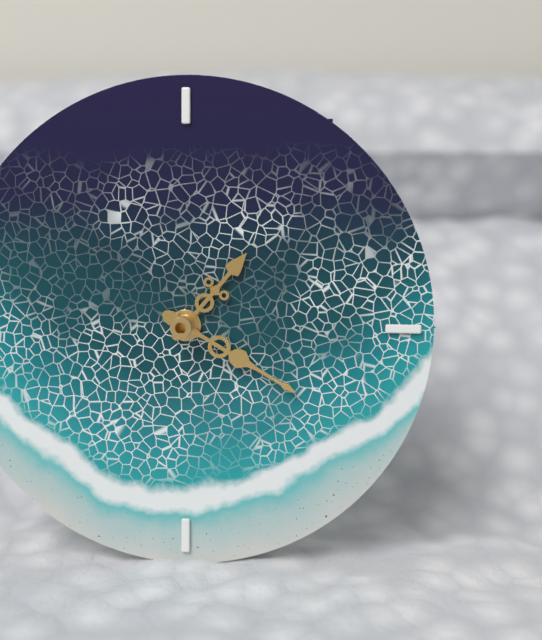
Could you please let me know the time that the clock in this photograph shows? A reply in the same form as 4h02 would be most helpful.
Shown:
1h20
